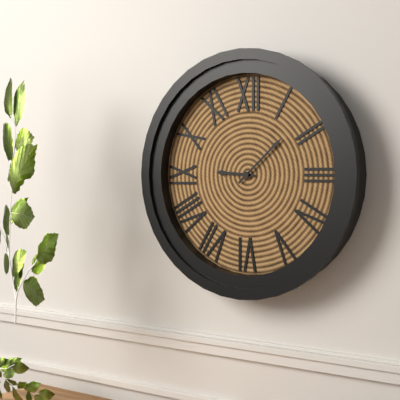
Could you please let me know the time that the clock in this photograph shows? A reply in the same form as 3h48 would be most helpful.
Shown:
9h08
